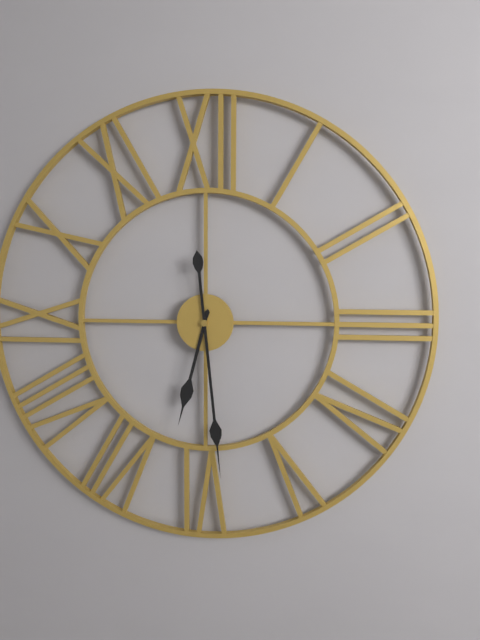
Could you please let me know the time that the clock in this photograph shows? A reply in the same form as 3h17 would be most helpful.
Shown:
6h29
